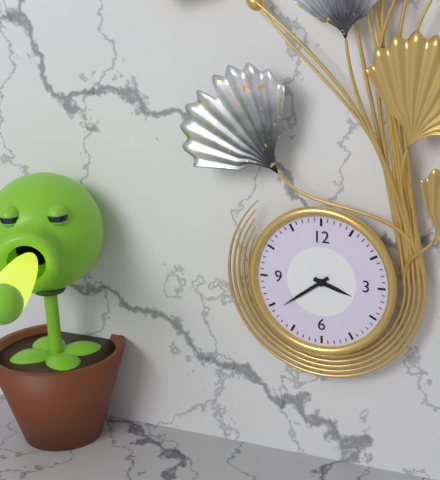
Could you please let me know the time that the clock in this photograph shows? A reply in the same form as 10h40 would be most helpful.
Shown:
3h39
